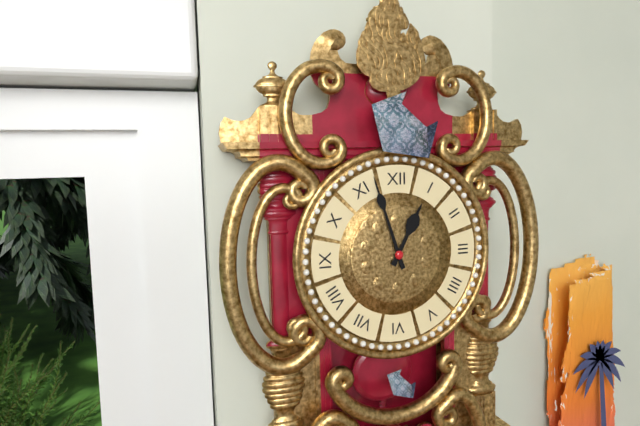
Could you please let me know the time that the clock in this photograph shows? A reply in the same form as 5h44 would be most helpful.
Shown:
12h57
